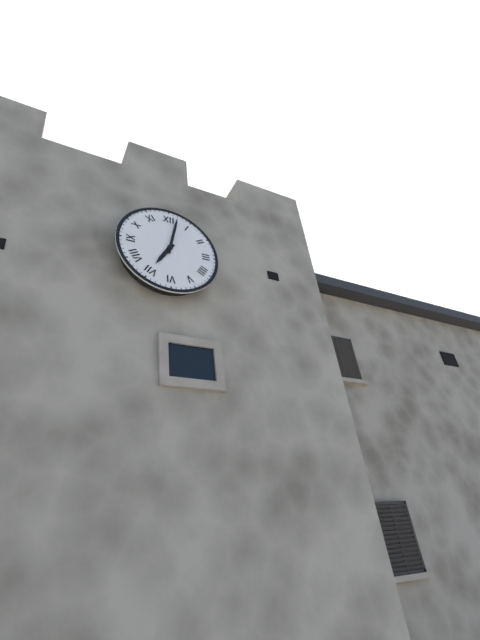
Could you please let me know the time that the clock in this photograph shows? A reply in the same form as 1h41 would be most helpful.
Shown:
7h02
